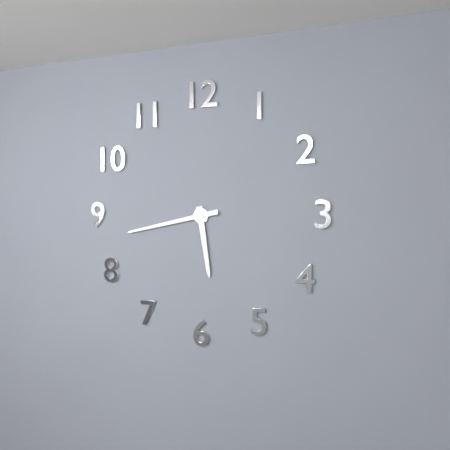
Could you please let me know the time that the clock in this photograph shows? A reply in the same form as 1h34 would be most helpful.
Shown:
5h43
